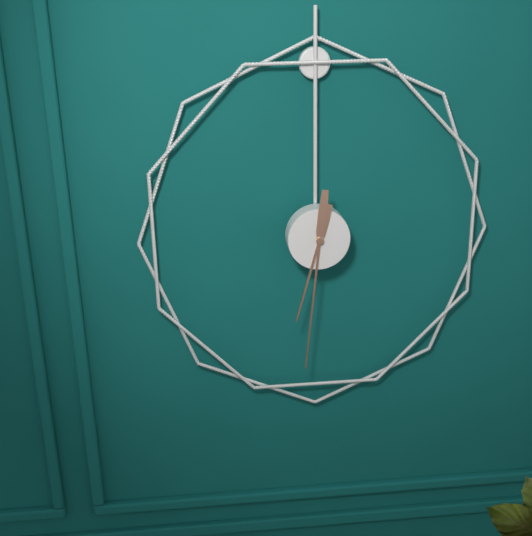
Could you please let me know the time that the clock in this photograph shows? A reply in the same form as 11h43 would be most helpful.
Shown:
6h31
